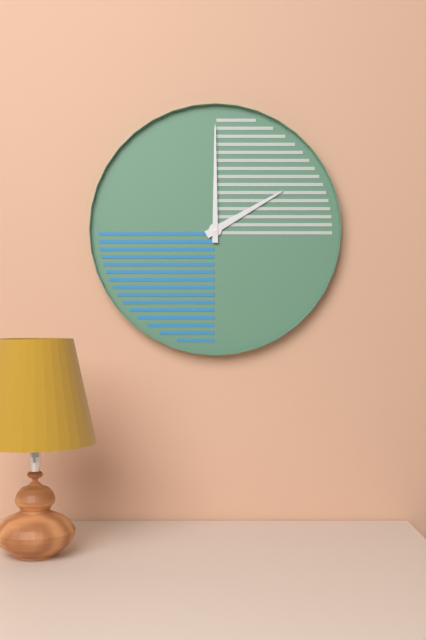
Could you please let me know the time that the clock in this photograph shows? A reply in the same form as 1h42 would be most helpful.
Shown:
2h00
